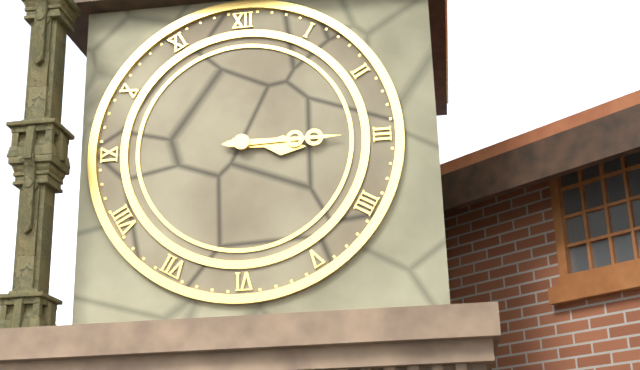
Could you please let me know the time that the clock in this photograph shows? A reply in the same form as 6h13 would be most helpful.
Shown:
3h15
